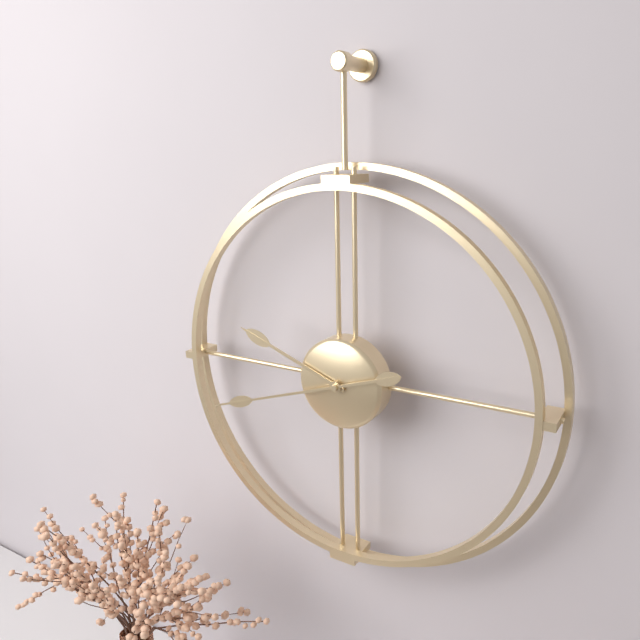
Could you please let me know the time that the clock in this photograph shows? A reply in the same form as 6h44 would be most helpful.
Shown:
9h42
